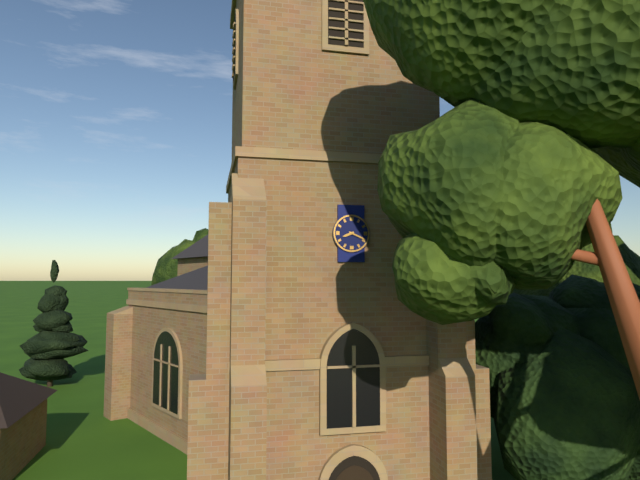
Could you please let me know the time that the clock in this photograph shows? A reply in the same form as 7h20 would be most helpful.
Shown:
8h19
